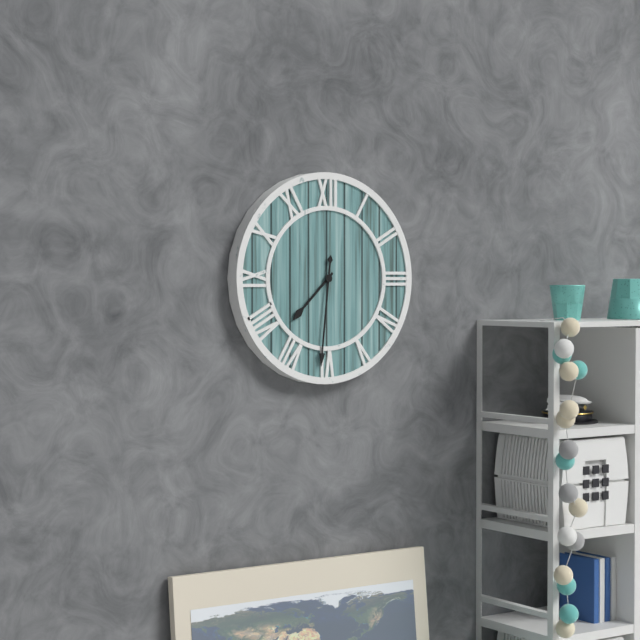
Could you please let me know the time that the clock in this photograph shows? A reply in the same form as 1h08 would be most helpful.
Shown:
7h31
